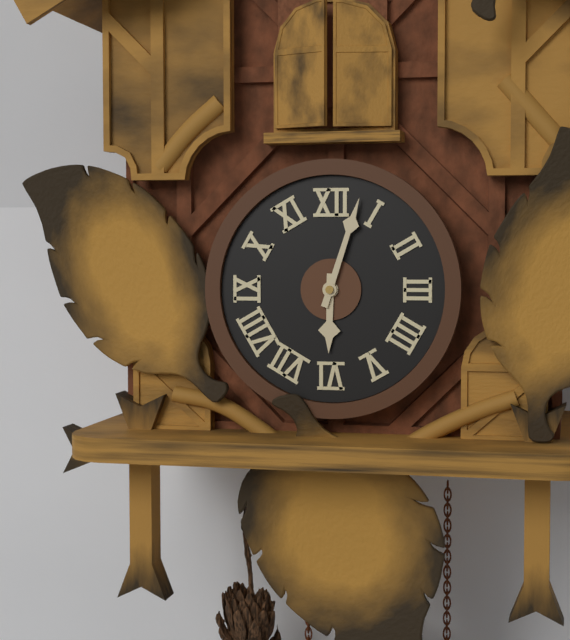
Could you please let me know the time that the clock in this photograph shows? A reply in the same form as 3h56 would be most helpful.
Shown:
6h03
